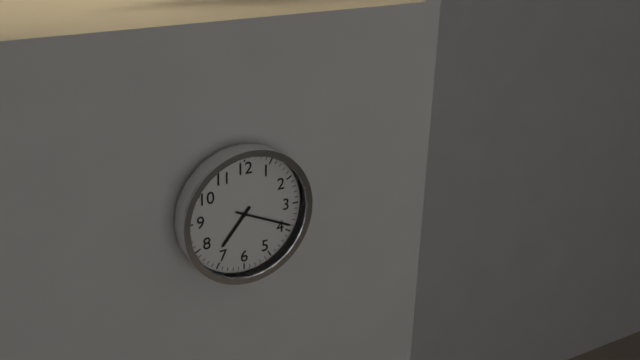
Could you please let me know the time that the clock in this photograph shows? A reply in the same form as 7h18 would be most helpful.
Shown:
7h19
